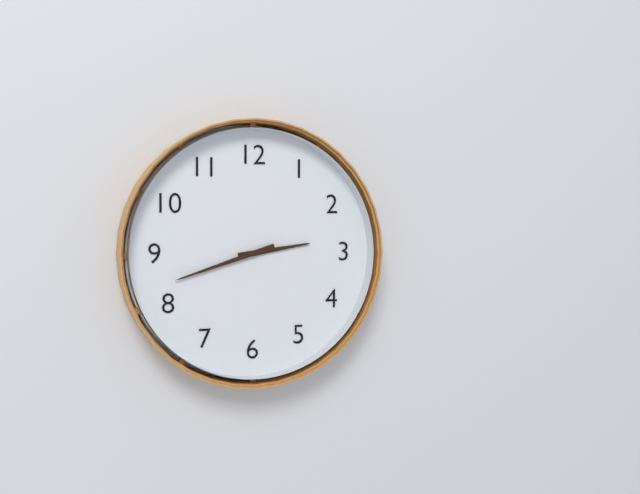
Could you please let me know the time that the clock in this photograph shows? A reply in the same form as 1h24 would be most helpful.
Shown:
2h42
